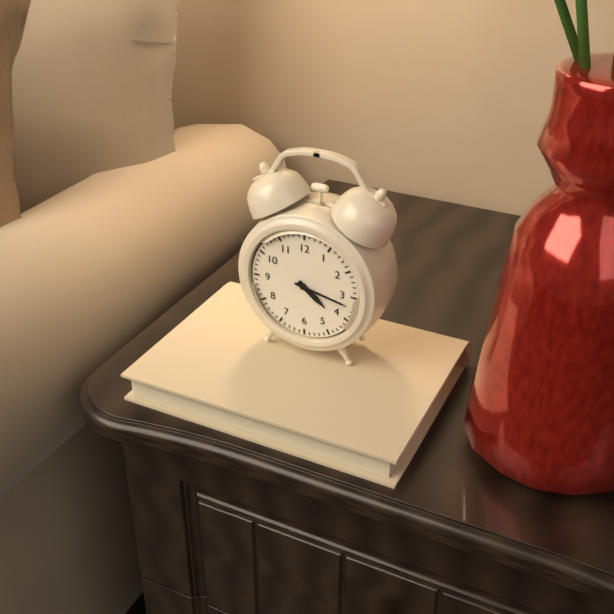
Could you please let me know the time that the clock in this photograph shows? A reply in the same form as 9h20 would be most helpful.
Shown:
4h17
